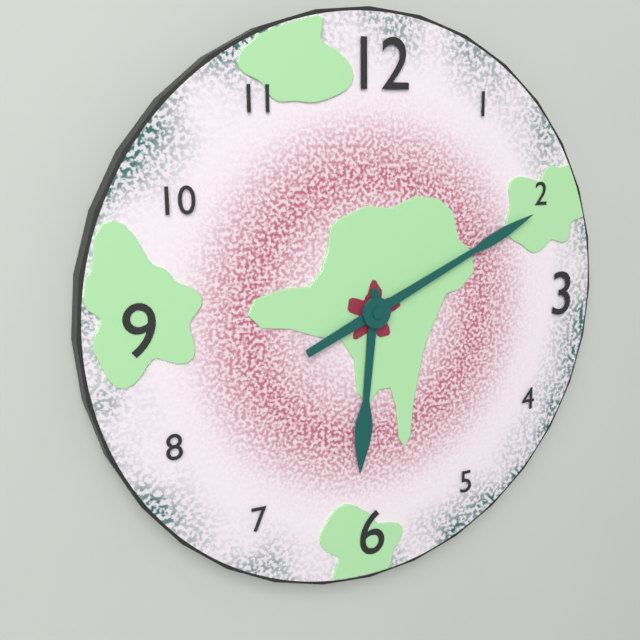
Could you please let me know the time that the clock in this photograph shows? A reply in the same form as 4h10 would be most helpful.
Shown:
6h11
